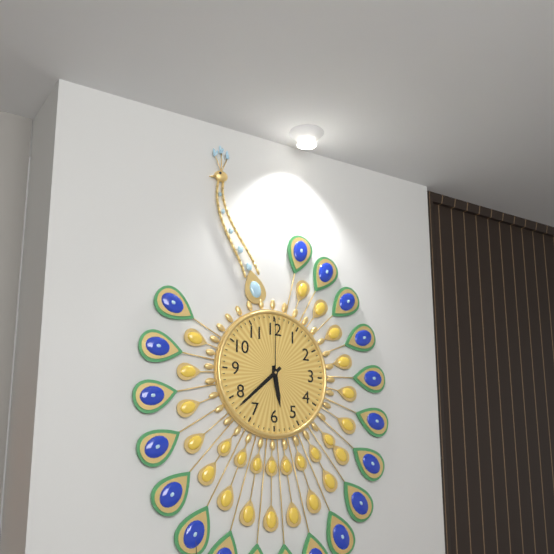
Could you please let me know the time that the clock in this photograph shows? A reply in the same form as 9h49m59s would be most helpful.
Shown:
5h38m00s
